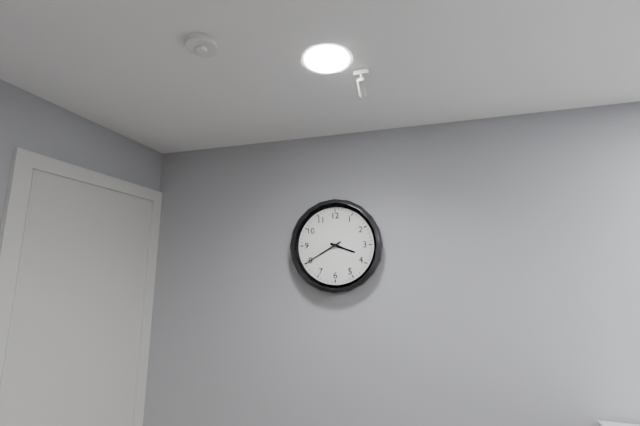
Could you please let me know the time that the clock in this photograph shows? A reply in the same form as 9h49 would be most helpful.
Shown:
3h40
